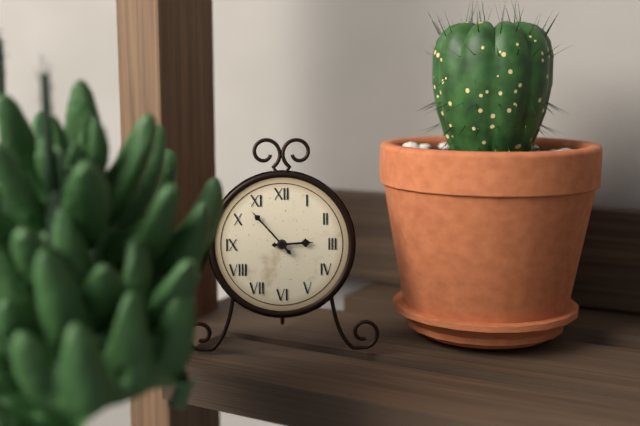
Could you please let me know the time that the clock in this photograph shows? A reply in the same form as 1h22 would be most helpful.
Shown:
2h53
